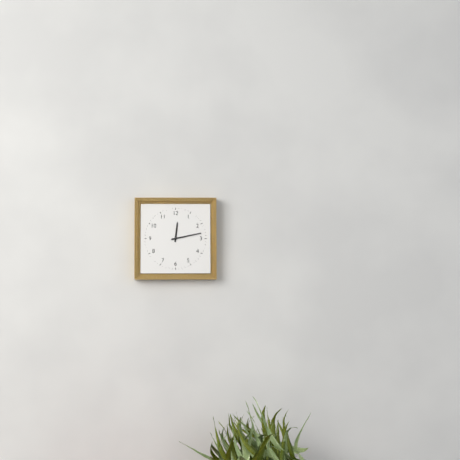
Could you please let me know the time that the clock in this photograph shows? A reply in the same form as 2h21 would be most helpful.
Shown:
12h13
